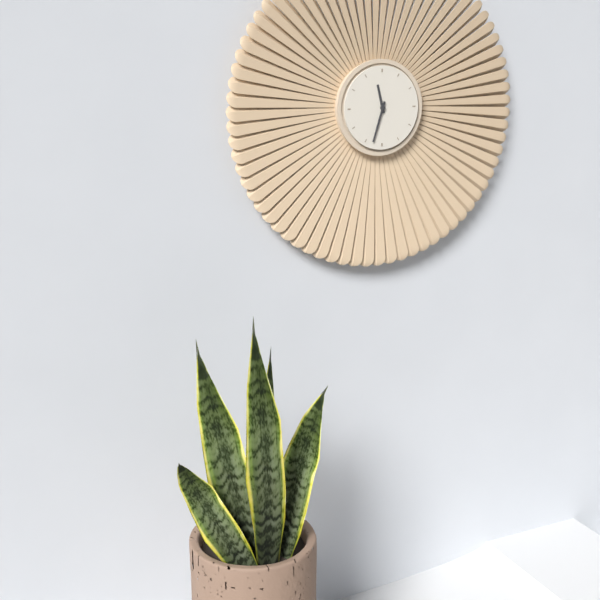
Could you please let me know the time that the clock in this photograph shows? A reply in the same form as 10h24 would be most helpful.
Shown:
11h33
